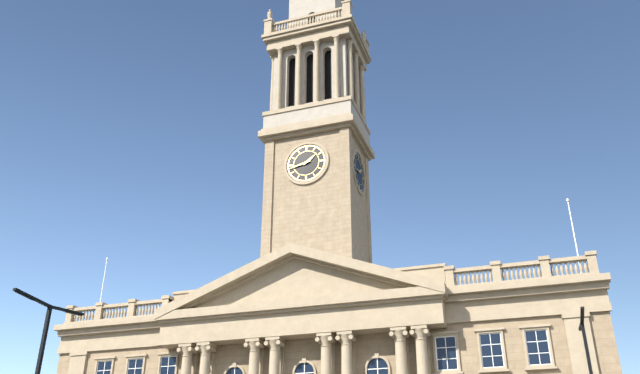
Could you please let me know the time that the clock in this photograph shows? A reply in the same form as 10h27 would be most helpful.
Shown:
1h43
